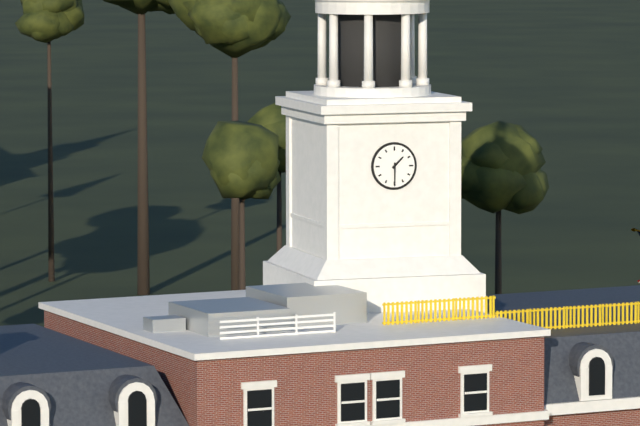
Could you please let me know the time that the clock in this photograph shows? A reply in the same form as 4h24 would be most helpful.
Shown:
1h30
